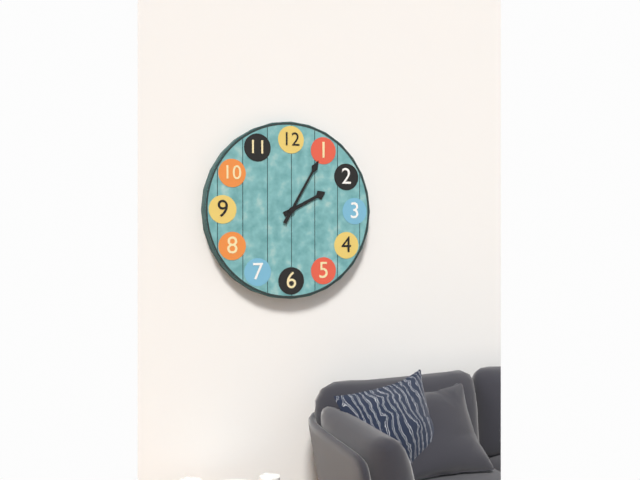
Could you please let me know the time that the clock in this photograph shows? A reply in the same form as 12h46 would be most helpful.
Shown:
2h05
